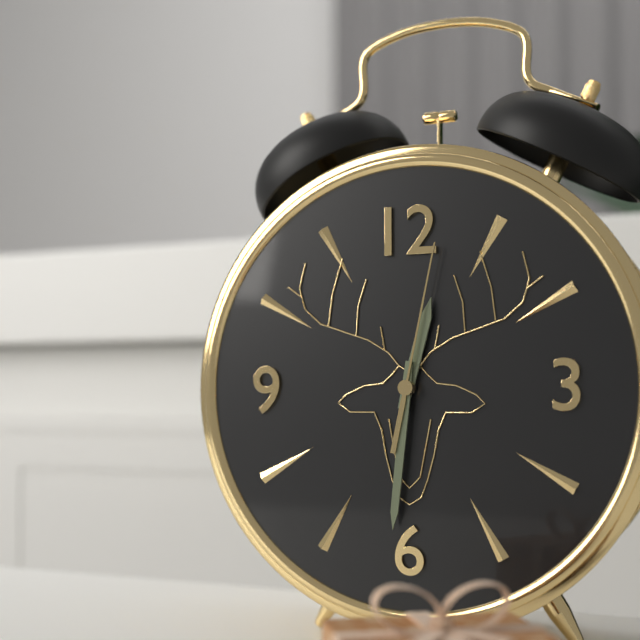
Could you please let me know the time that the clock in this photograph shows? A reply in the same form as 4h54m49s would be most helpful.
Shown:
12h31m02s
